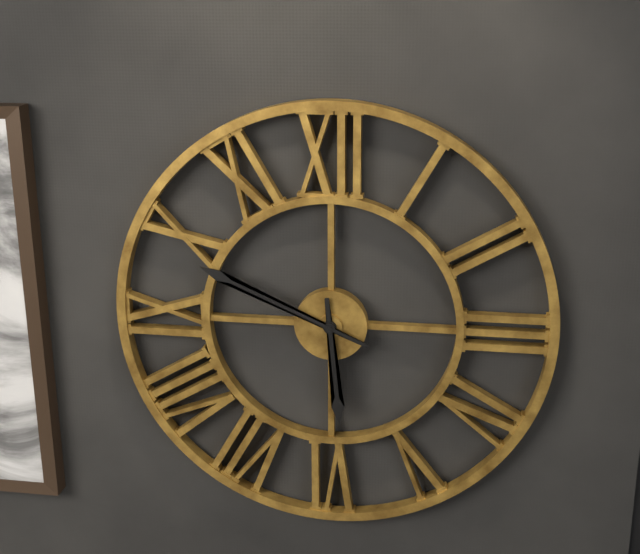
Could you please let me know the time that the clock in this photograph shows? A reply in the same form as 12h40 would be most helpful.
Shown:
5h49
